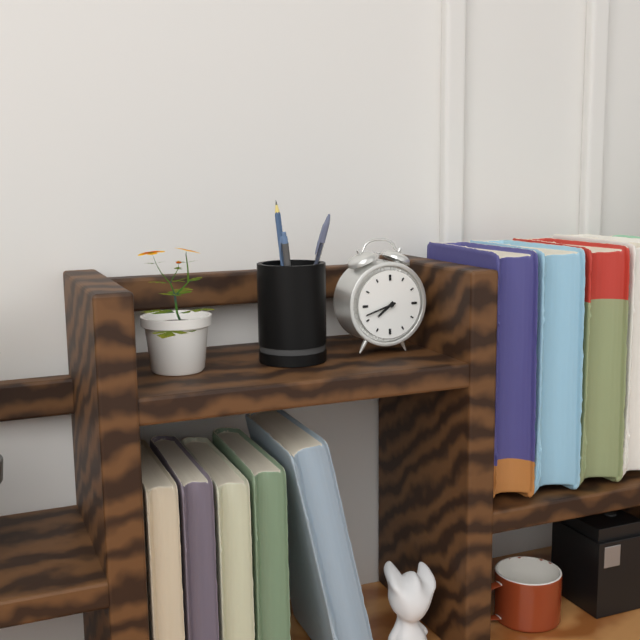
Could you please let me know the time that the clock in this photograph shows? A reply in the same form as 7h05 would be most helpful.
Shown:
7h42
